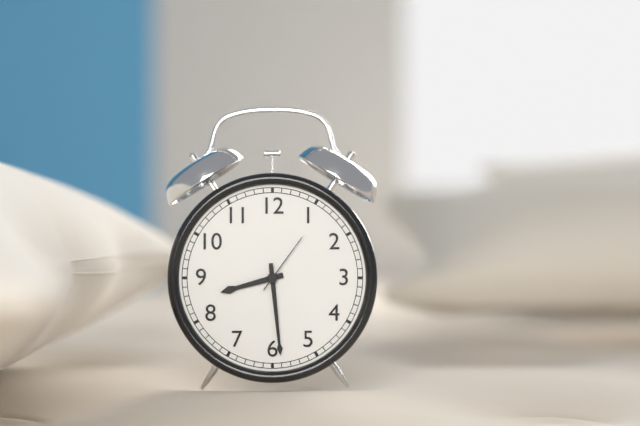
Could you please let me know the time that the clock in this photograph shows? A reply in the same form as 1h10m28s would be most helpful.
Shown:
8h29m06s
